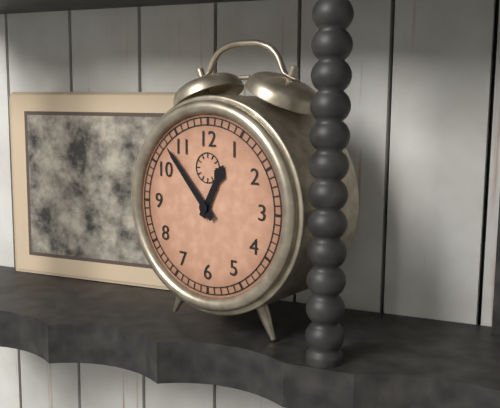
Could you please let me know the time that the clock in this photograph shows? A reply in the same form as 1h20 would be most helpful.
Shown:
12h53
